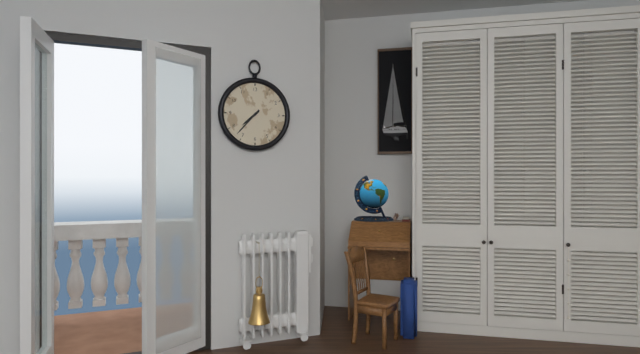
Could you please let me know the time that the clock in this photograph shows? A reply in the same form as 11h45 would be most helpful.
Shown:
7h37
